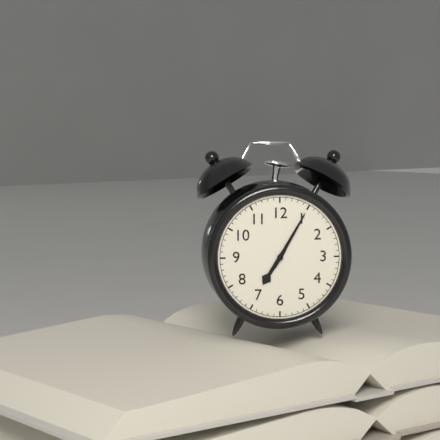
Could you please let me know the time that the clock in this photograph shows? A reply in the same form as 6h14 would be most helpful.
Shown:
7h05
